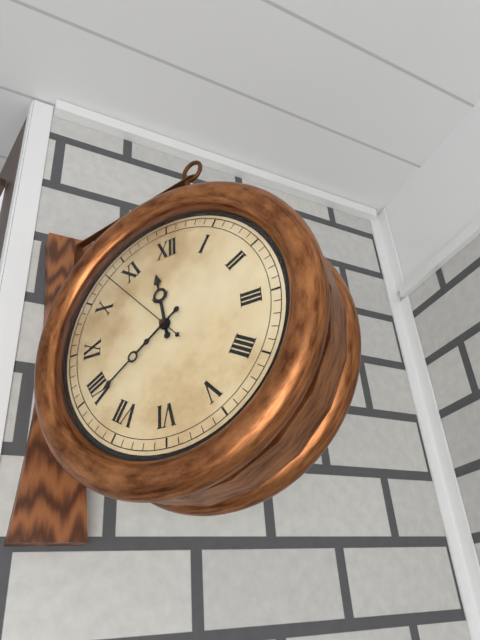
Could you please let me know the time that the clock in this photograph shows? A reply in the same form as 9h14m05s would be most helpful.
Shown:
11h39m53s
